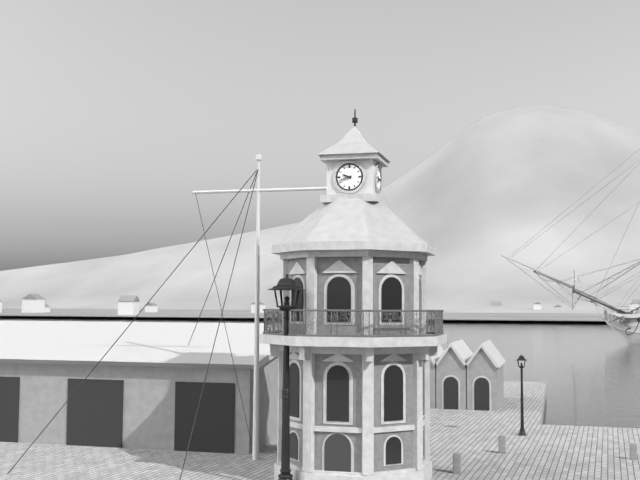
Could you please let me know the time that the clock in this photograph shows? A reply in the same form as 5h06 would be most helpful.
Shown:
9h42
